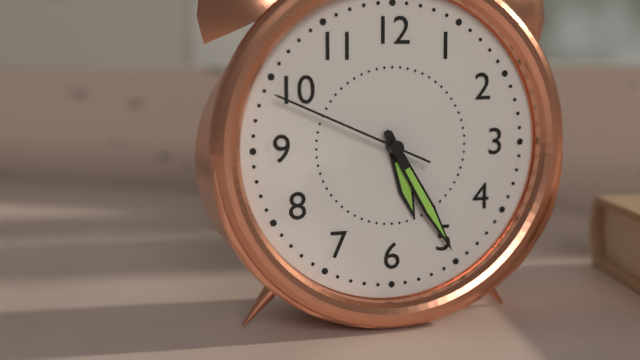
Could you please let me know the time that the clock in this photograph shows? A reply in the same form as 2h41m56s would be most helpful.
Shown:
5h25m49s
